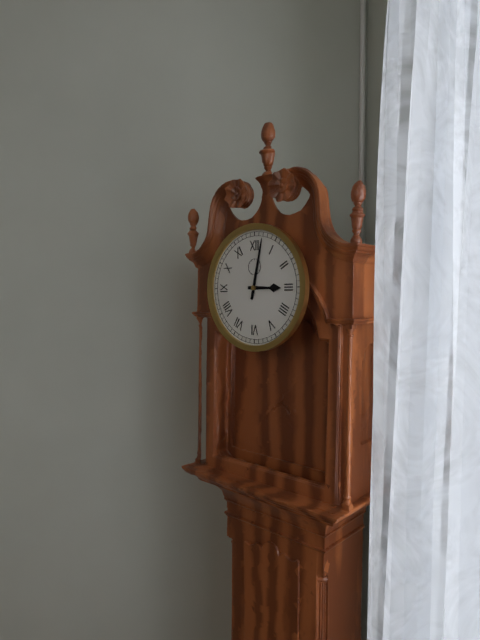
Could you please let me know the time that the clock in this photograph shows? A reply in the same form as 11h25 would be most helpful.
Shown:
3h02
